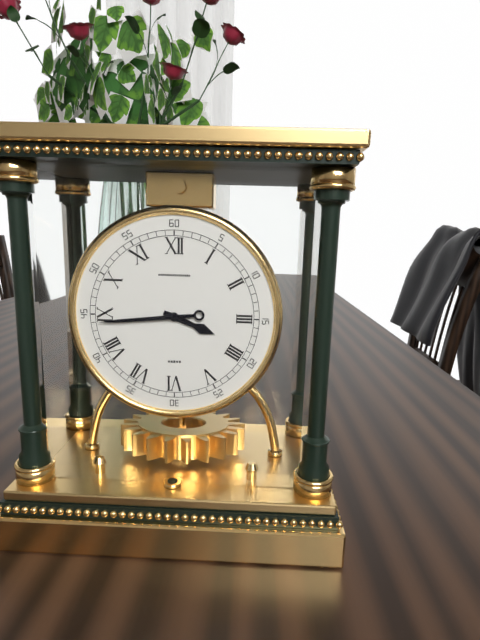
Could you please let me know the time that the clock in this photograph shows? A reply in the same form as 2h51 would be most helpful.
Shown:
3h44
